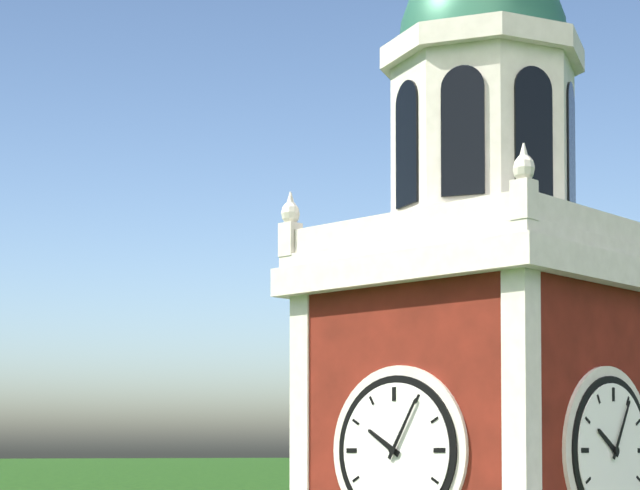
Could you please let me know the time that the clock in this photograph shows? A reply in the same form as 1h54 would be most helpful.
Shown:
10h05
